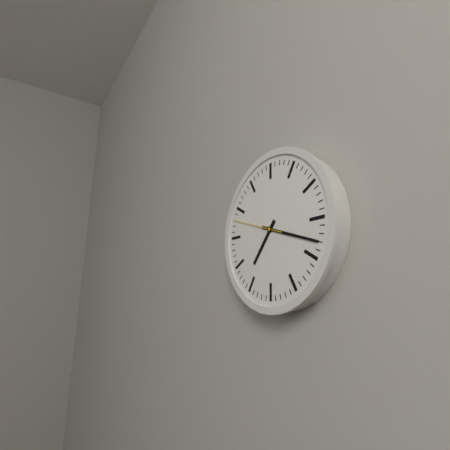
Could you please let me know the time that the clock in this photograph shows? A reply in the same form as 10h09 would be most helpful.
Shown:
7h18
